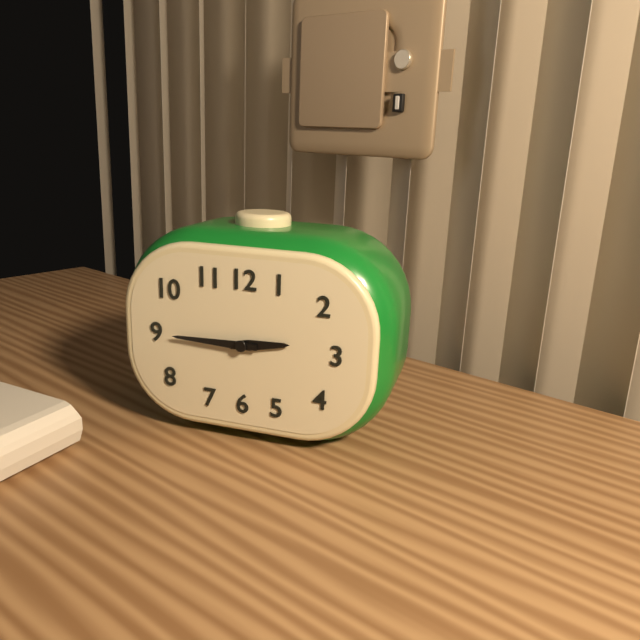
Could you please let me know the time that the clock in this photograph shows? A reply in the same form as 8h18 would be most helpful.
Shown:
2h45
